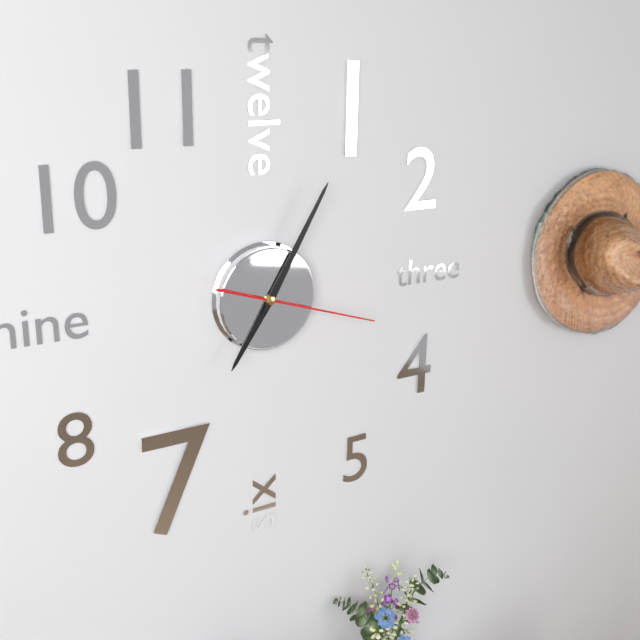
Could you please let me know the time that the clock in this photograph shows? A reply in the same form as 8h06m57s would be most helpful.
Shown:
7h05m18s
